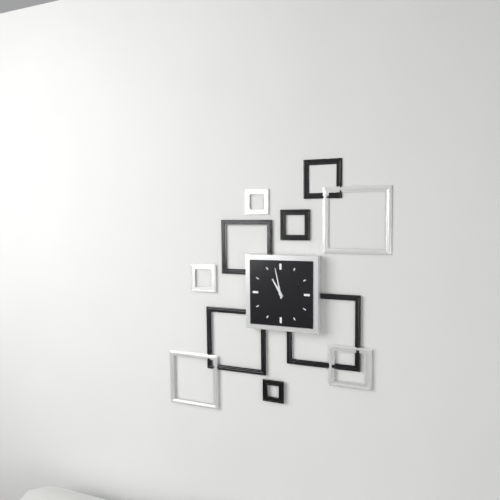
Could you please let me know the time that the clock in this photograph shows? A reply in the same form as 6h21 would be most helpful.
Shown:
10h58
